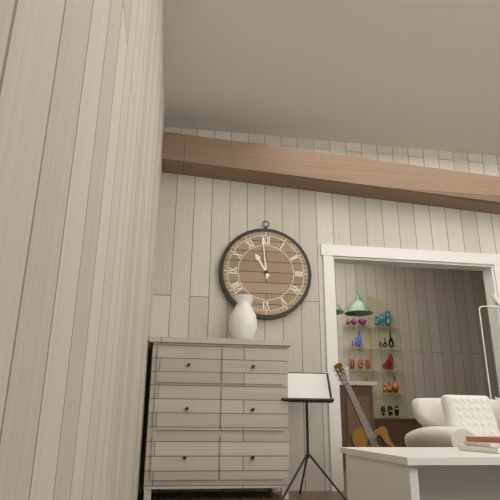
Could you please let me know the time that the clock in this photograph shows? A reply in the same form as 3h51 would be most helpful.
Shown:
10h59
